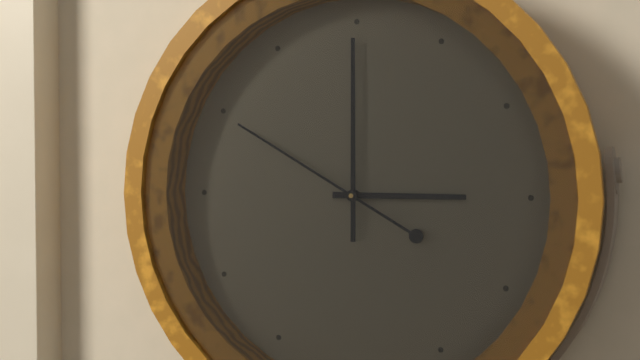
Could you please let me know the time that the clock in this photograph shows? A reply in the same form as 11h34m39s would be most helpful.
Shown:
3h00m50s
